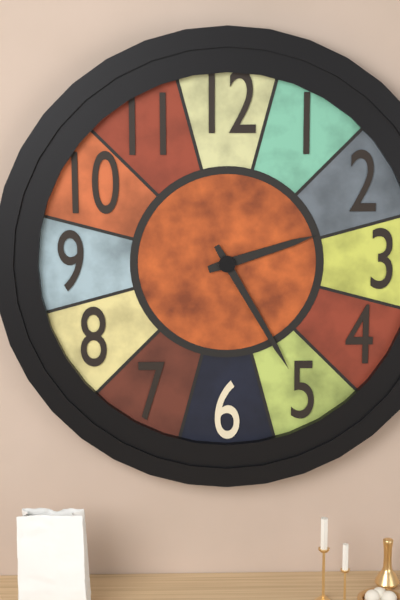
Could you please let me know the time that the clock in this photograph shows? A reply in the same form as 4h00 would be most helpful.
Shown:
2h25
